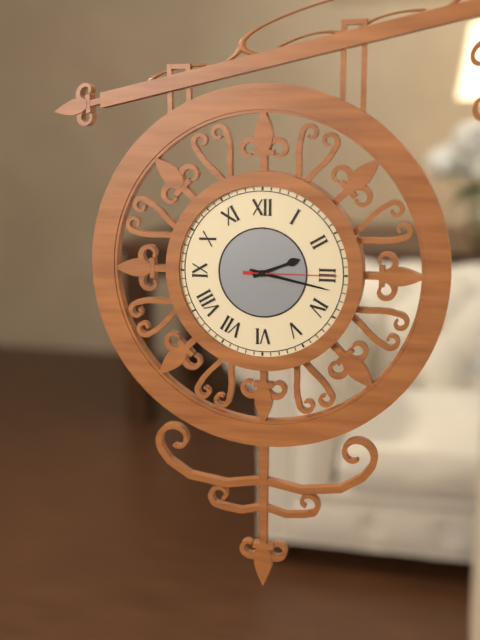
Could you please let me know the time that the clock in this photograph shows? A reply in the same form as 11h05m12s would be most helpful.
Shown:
2h17m15s
